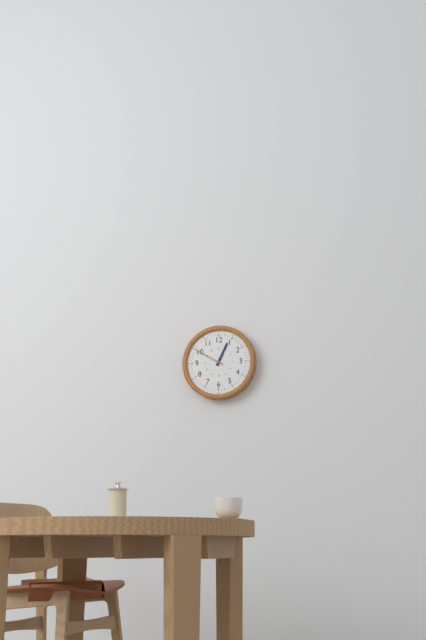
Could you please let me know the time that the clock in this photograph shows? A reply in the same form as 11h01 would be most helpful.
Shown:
12h50
